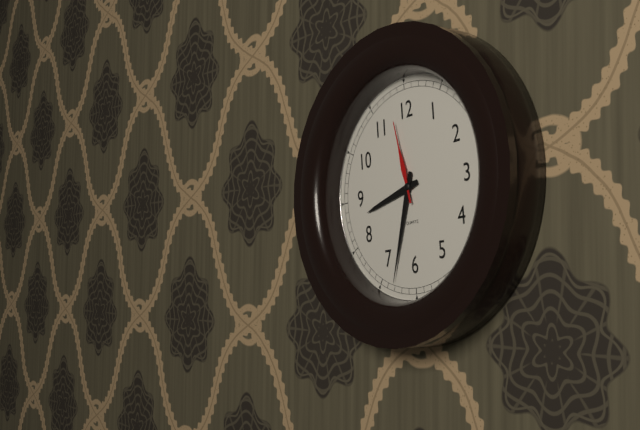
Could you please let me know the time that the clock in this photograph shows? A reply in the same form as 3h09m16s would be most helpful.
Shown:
8h33m58s
